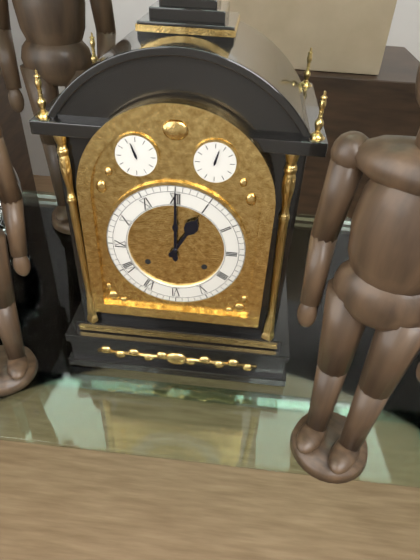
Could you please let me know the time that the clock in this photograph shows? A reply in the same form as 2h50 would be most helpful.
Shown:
1h00
